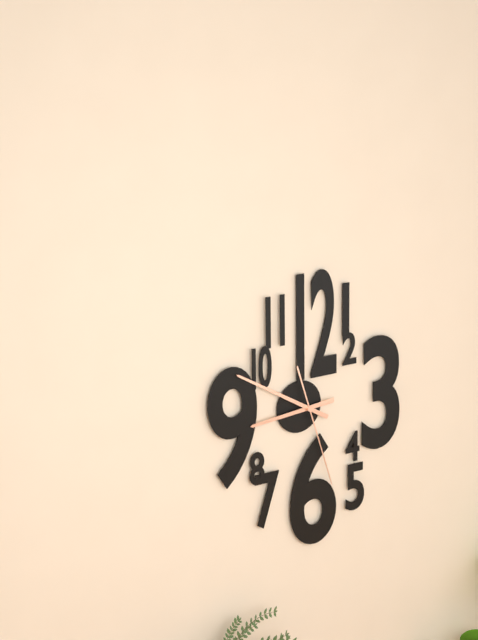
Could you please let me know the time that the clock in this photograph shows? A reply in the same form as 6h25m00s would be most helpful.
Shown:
8h50m27s
